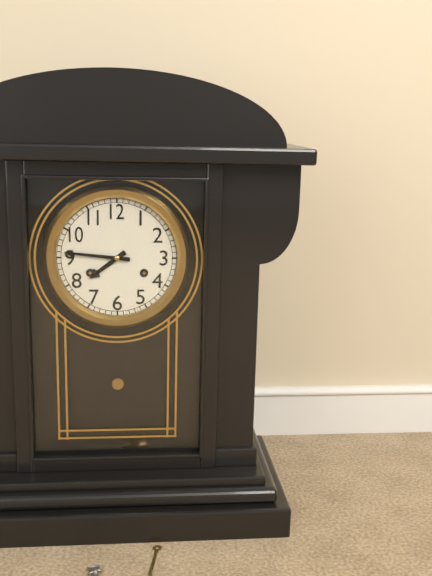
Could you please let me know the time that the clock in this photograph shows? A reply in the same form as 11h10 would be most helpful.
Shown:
7h46
